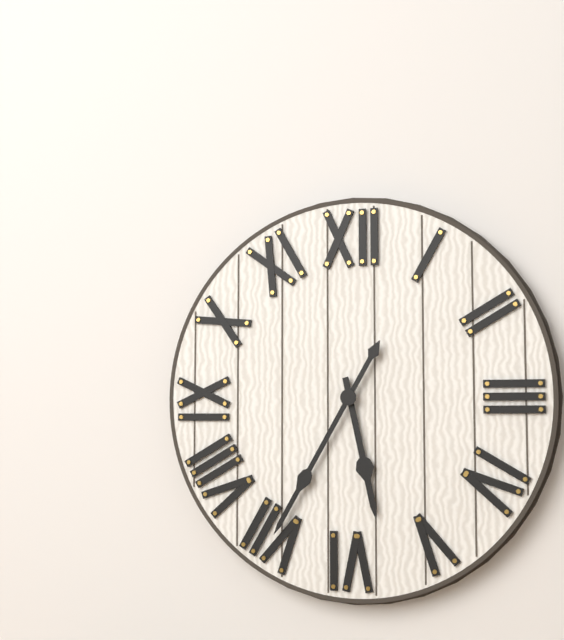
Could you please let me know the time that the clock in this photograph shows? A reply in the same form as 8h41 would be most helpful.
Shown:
5h35
